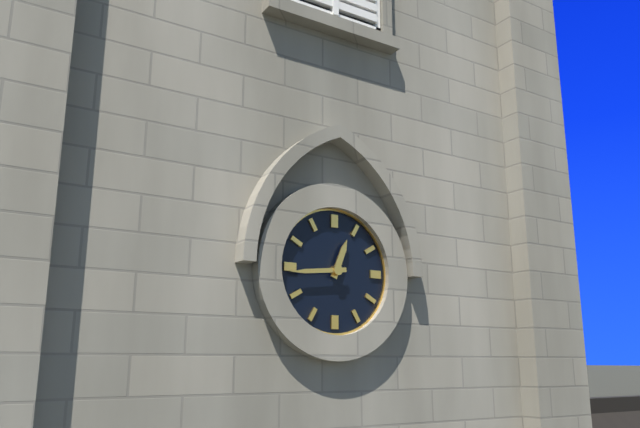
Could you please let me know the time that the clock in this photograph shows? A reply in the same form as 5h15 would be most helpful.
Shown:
12h44
